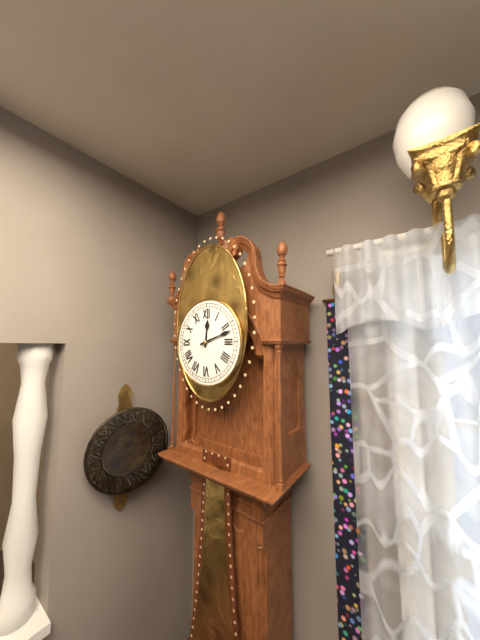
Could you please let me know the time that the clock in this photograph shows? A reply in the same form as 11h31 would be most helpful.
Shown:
12h12
